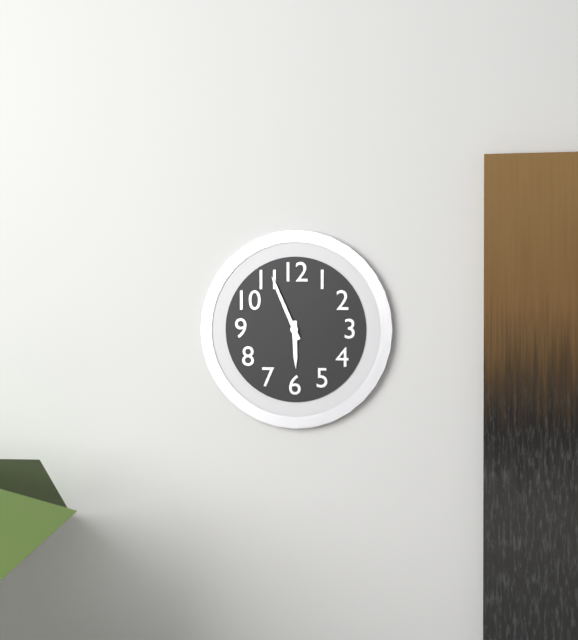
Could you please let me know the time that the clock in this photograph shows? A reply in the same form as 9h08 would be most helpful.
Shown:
5h56
